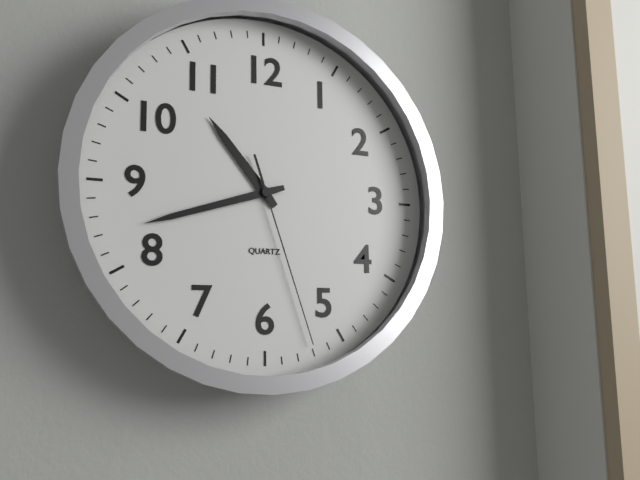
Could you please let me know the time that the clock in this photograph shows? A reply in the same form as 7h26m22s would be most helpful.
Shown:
10h42m27s
